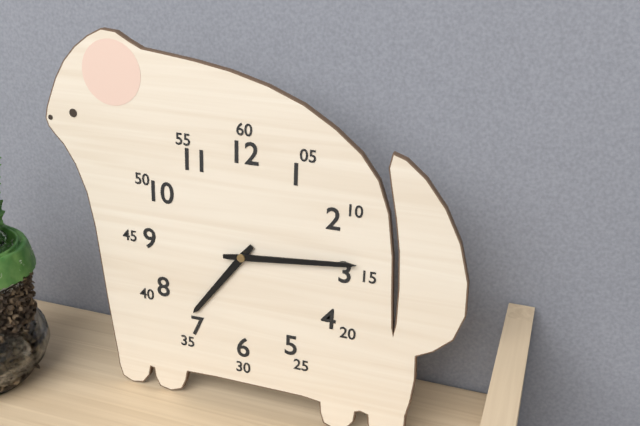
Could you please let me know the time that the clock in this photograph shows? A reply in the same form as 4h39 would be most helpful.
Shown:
7h14
